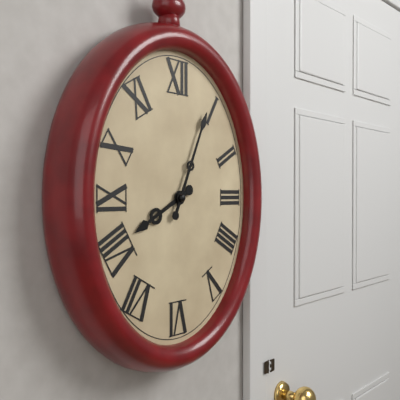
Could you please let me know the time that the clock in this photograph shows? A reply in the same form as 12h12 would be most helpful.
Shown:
8h04
